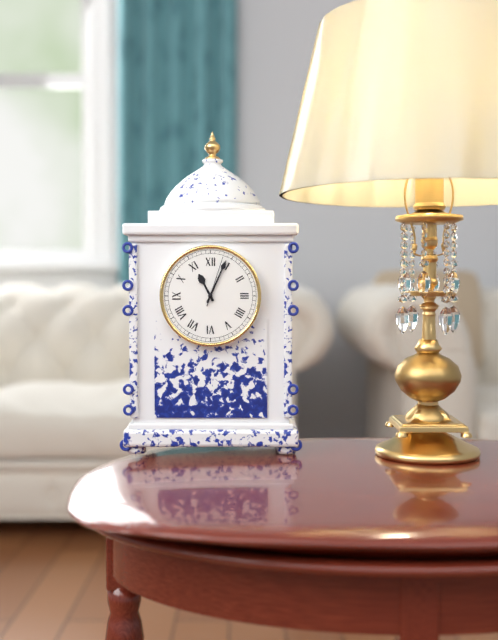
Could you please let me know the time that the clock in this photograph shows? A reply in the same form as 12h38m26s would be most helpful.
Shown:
11h04m03s
